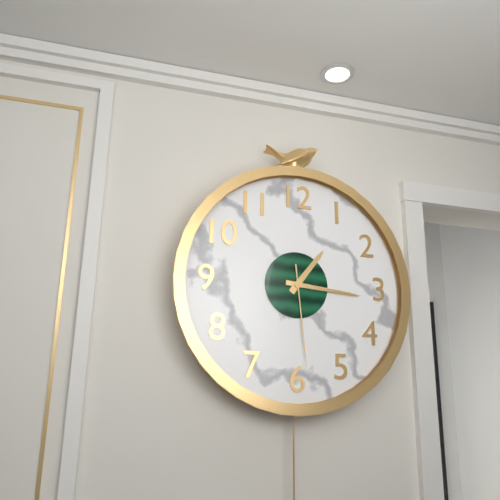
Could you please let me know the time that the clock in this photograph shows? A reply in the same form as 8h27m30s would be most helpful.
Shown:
1h16m29s
